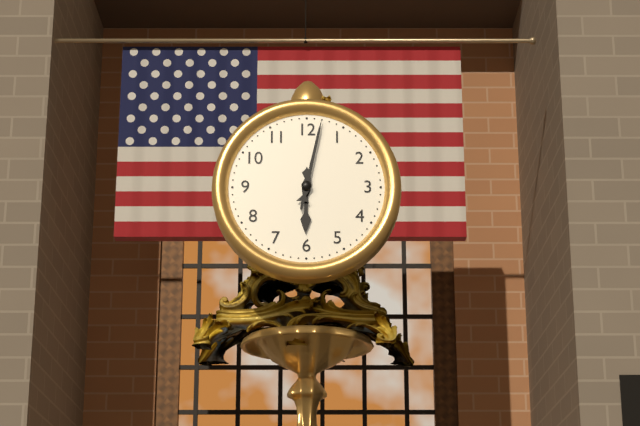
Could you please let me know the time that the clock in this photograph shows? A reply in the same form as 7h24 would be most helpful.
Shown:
6h02
